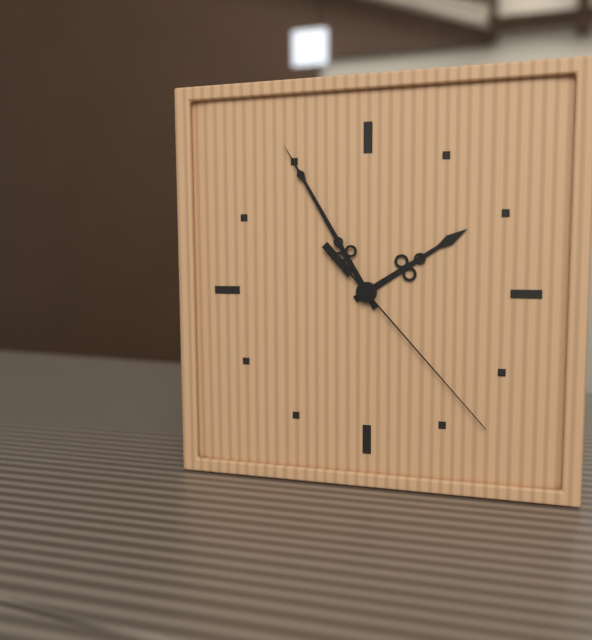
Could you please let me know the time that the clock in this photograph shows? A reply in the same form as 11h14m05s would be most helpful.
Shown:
1h55m23s
